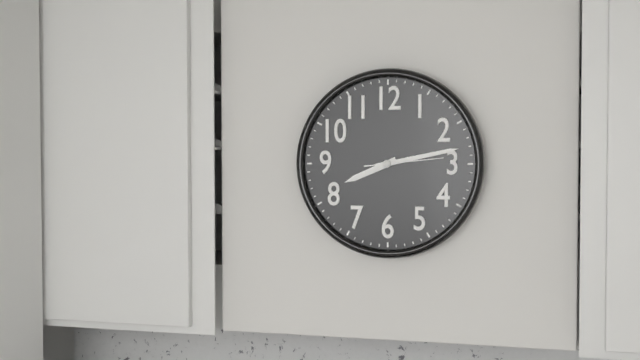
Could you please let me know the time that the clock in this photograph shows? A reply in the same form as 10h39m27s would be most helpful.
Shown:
8h13m14s
